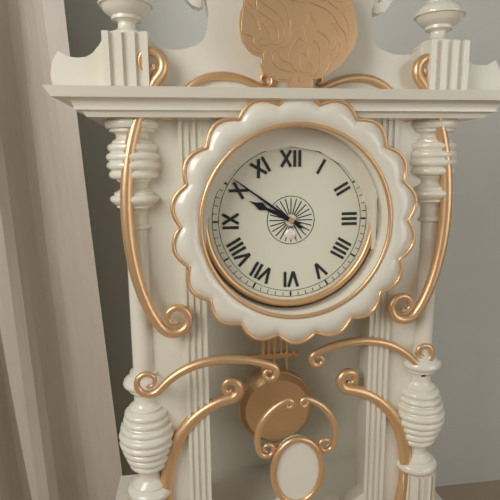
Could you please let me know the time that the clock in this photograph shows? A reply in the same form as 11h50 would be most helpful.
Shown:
9h51
